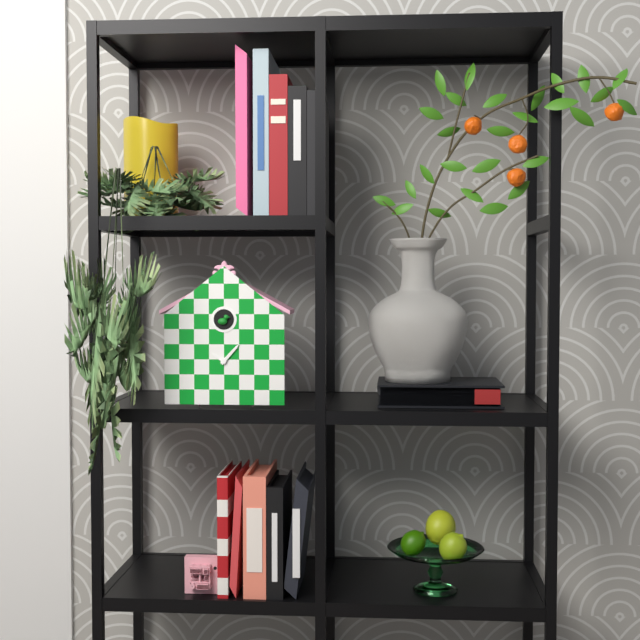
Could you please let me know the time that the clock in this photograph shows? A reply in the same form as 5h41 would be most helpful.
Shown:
10h07
